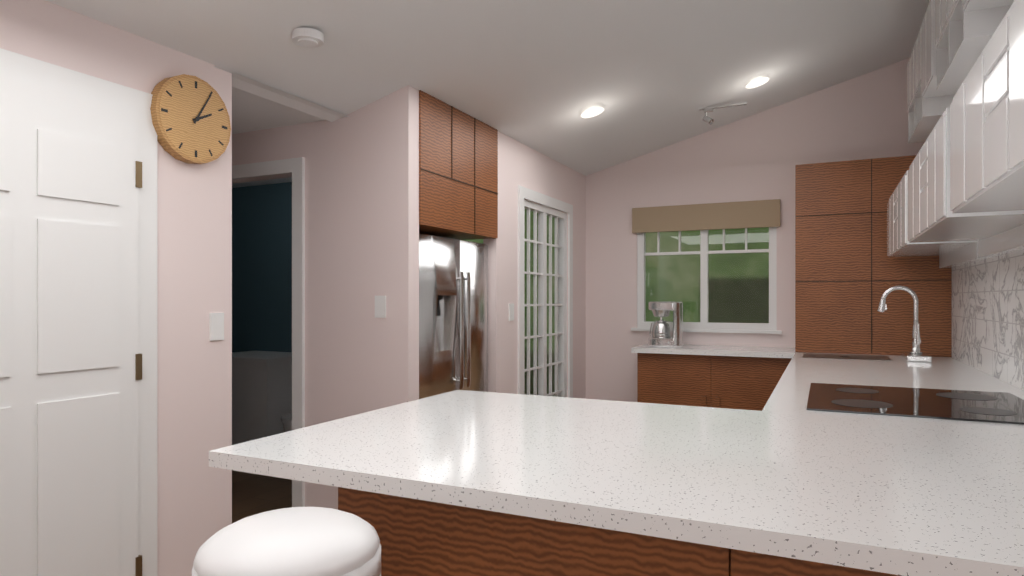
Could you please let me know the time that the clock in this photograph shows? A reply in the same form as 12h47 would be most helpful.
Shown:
2h05
